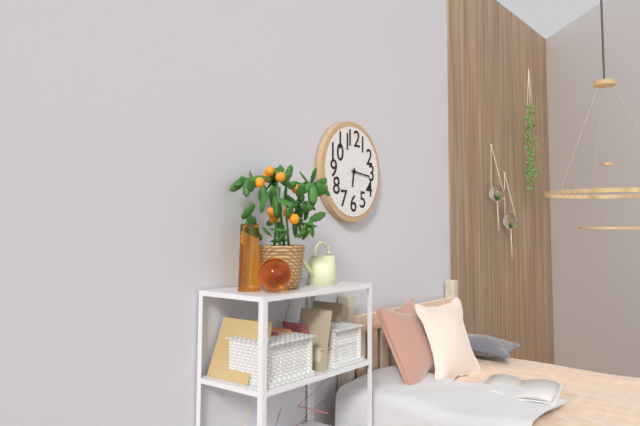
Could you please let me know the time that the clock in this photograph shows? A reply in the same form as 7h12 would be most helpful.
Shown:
6h16
